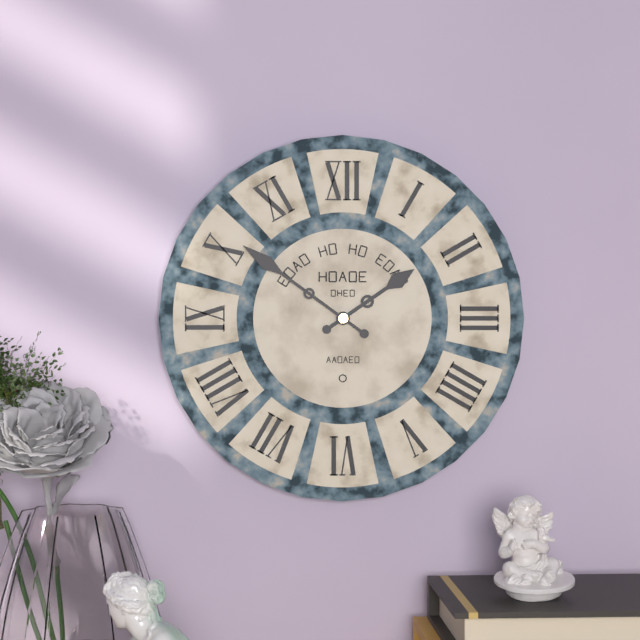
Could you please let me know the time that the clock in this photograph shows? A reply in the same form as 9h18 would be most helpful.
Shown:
1h51
